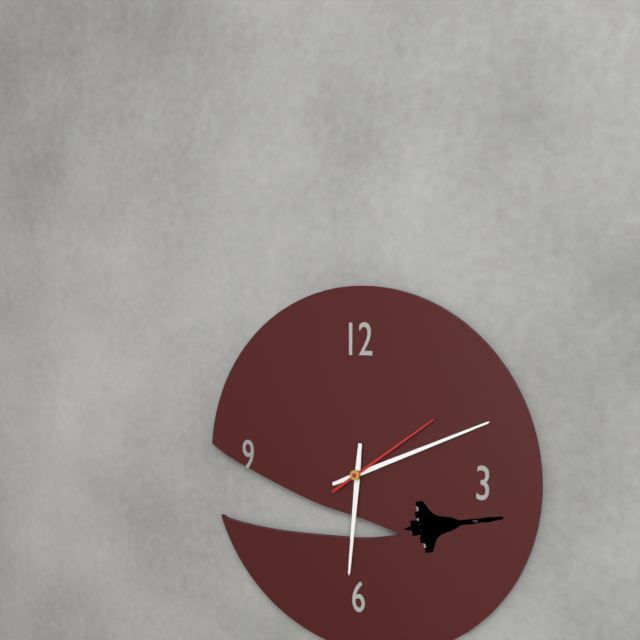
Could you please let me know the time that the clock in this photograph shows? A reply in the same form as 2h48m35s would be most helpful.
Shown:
6h11m09s
